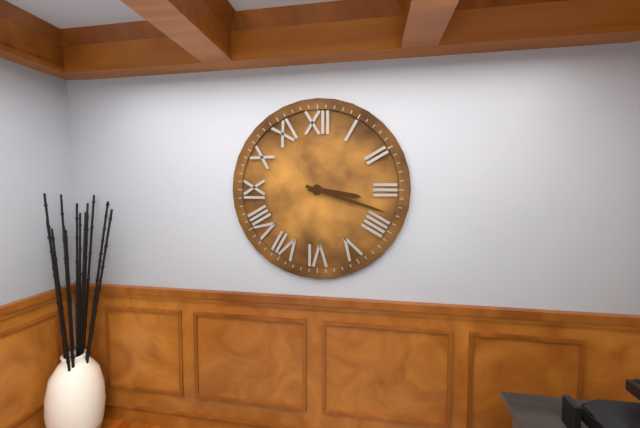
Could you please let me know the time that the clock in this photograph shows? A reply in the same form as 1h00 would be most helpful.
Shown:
3h18
